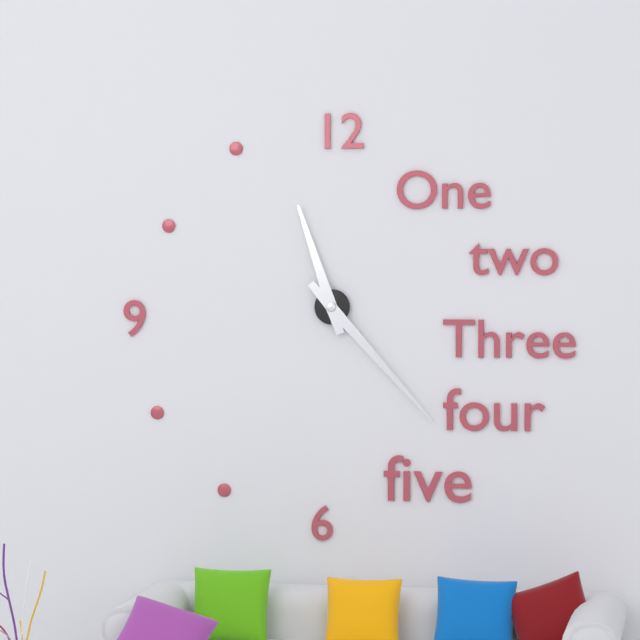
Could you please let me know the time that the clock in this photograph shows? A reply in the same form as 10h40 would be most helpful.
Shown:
11h23
